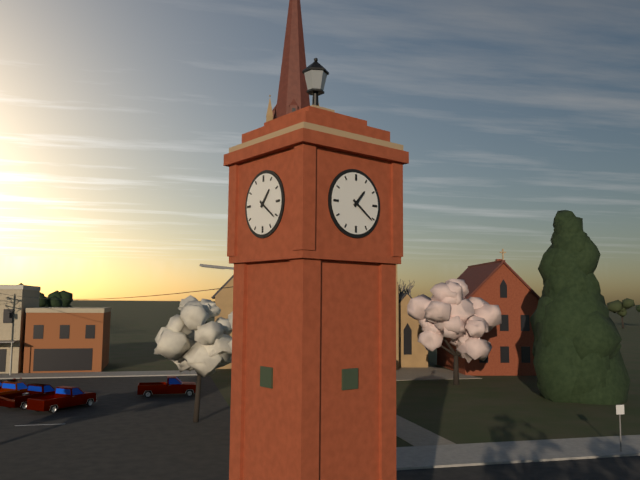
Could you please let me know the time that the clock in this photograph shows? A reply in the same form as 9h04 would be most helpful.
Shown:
1h21
